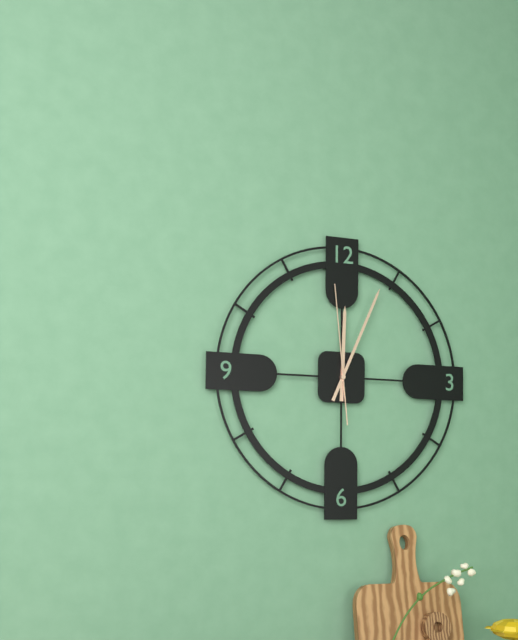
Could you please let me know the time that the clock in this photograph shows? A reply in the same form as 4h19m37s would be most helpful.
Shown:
12h04m59s
